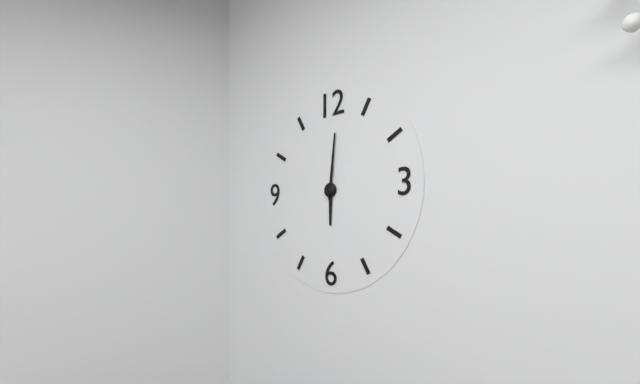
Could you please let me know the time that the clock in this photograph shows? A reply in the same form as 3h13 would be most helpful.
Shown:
6h01
